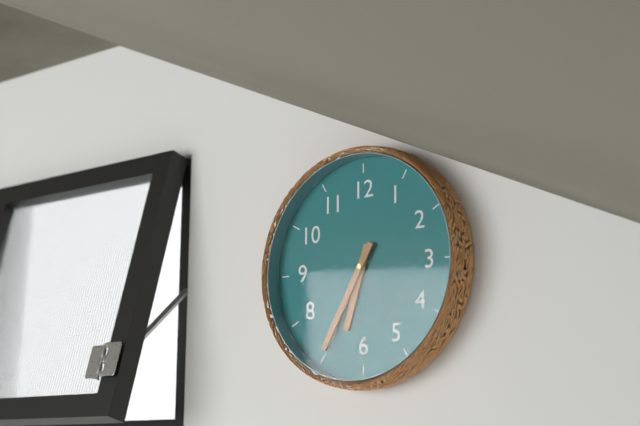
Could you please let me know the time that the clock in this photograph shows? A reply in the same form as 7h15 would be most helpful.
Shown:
6h35
